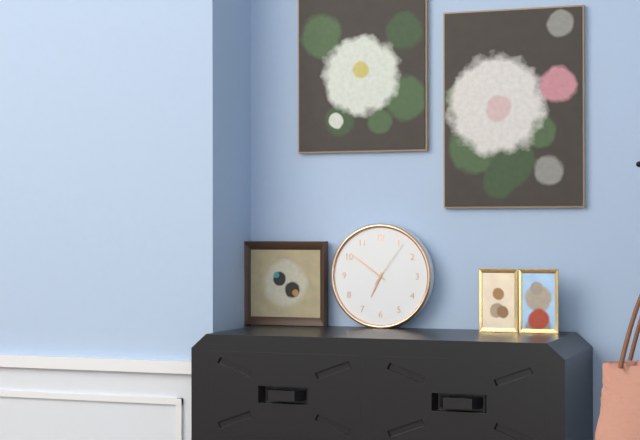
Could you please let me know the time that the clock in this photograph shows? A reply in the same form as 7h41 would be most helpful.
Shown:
6h51
